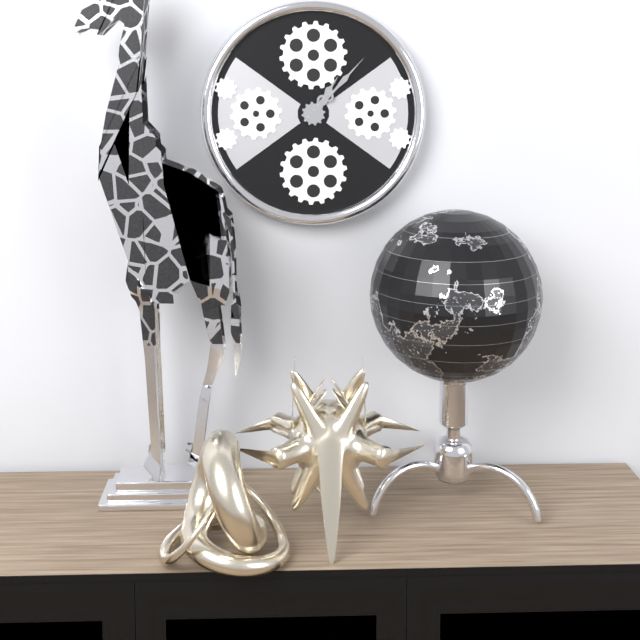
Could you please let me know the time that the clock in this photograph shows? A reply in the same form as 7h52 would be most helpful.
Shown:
1h07
